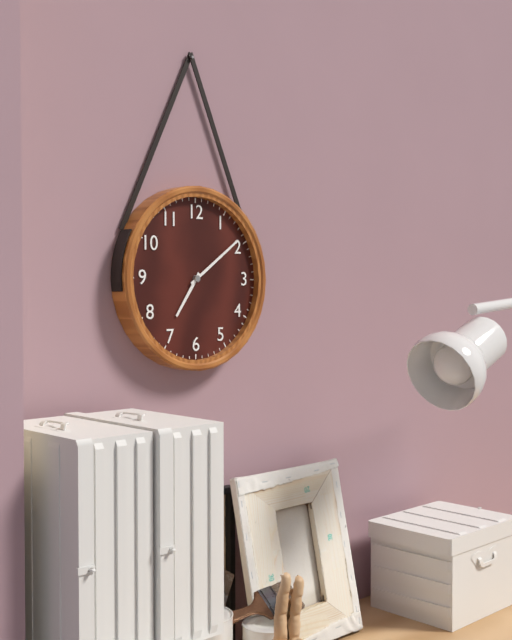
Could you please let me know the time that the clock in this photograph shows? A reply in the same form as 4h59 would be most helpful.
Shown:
7h09
